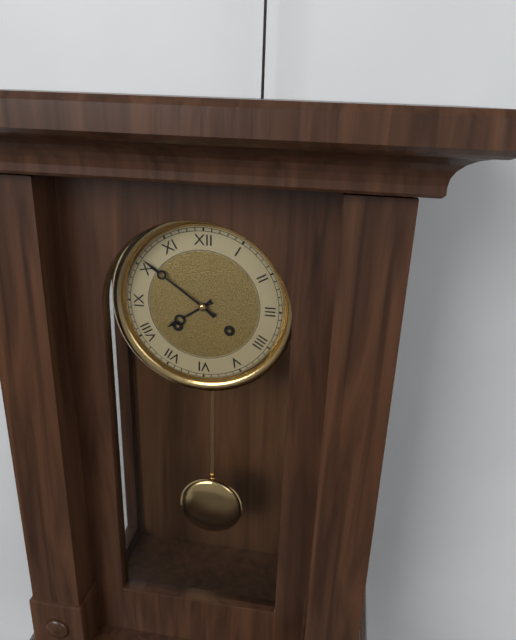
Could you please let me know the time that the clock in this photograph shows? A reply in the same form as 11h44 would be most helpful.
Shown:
7h51
